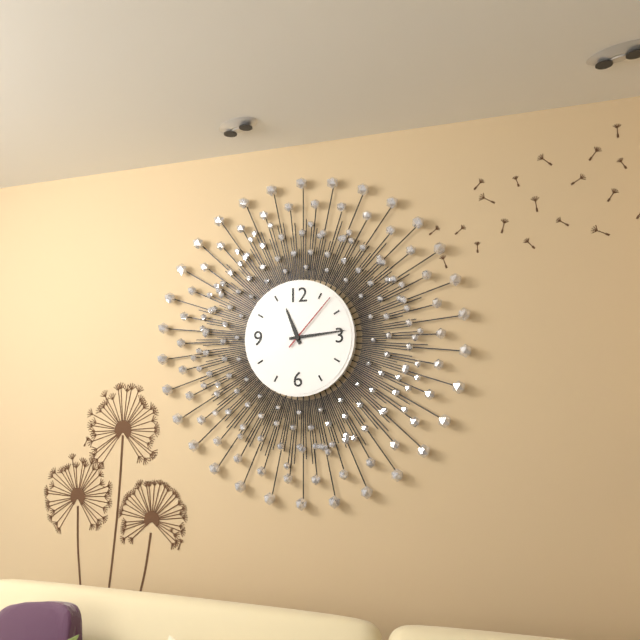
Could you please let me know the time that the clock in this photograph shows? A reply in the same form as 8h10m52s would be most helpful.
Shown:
11h14m07s
